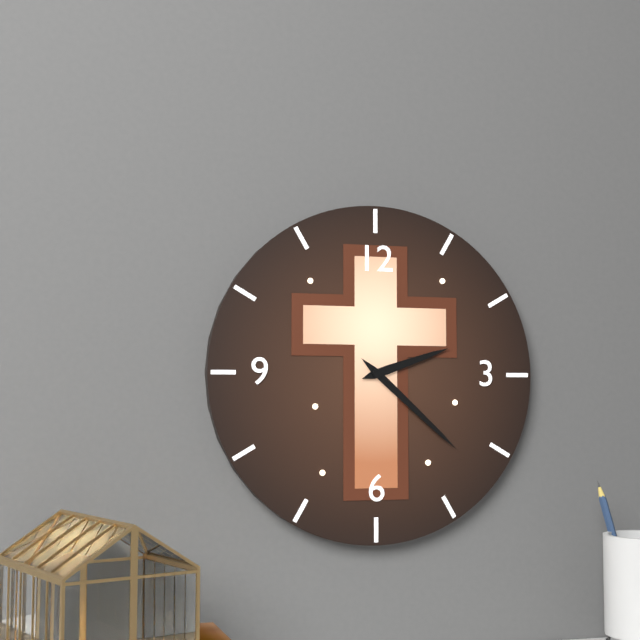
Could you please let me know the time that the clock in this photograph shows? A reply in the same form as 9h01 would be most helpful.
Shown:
2h22
